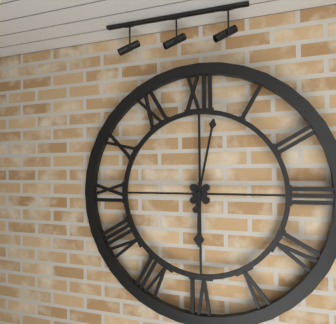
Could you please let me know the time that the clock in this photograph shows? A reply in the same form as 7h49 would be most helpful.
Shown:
6h02
